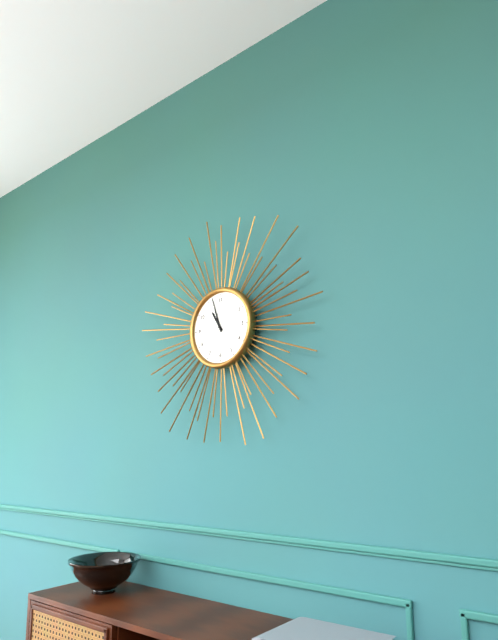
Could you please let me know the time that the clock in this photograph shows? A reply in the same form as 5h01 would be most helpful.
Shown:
10h57
